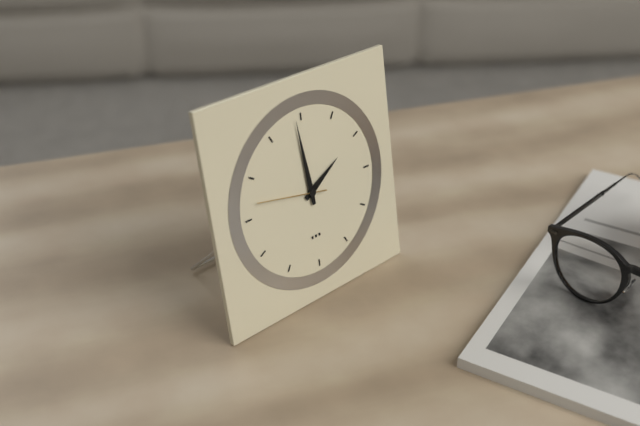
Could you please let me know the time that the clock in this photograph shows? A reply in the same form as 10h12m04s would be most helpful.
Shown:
1h59m47s
